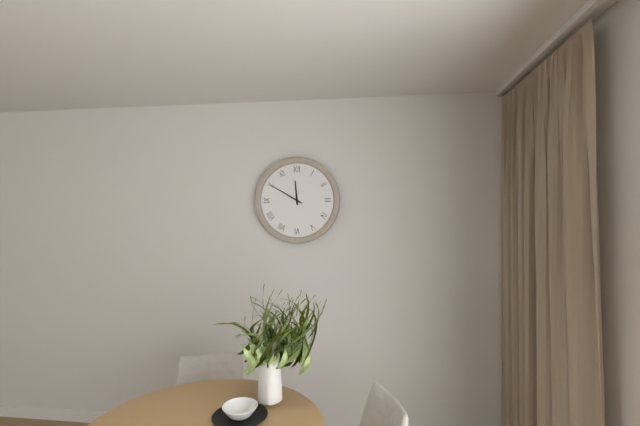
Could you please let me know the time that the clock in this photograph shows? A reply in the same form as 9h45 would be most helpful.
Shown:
11h50
